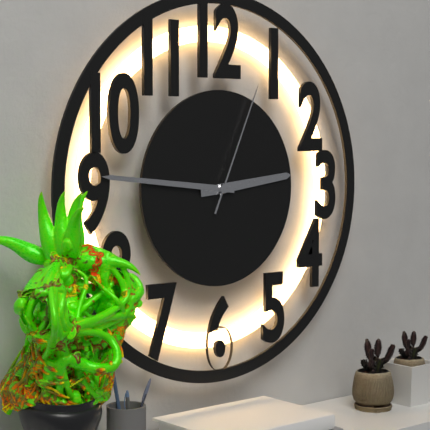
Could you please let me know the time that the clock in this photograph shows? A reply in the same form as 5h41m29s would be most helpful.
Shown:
2h46m04s
